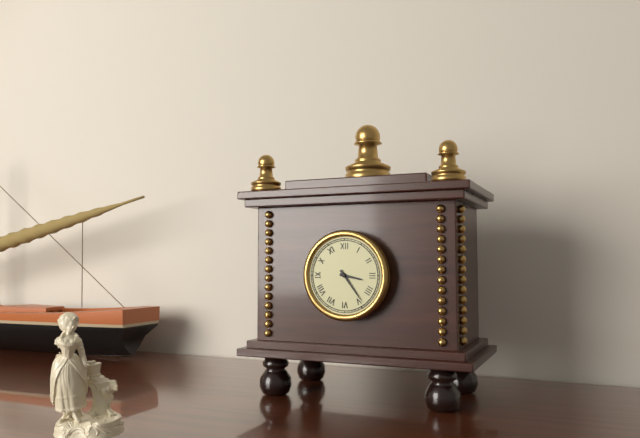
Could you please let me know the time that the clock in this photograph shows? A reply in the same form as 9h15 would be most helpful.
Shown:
3h24
